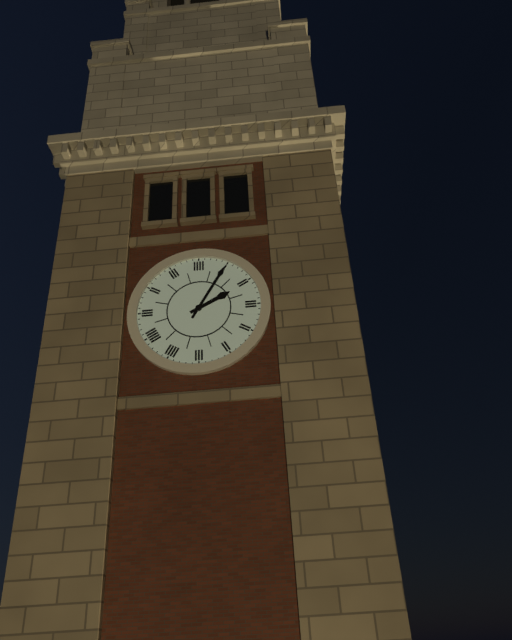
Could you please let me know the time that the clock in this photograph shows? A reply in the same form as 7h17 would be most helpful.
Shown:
2h05
